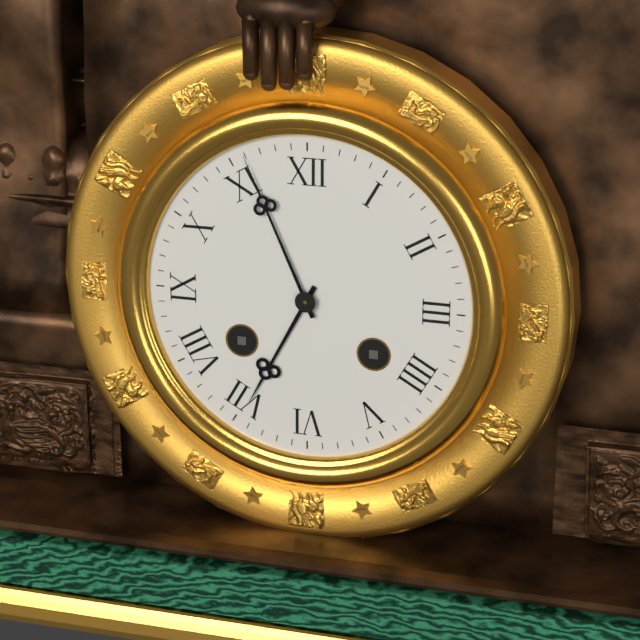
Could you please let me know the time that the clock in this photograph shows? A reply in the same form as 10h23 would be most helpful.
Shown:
6h56
